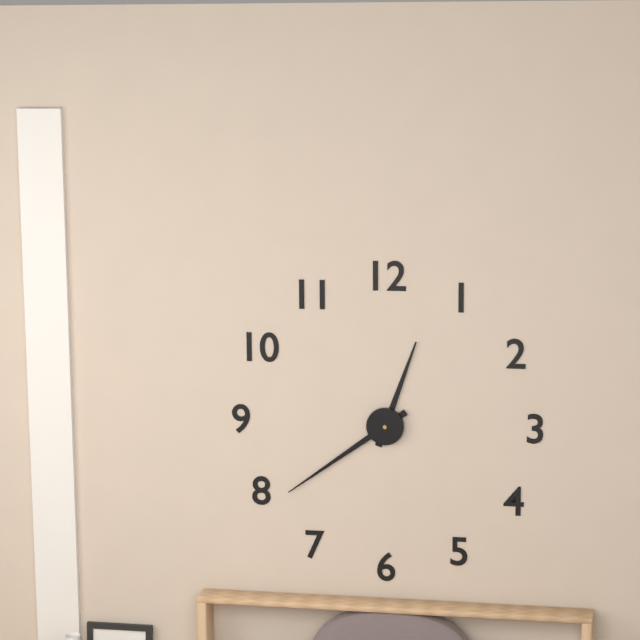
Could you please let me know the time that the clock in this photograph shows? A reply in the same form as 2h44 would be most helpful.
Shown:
12h39
